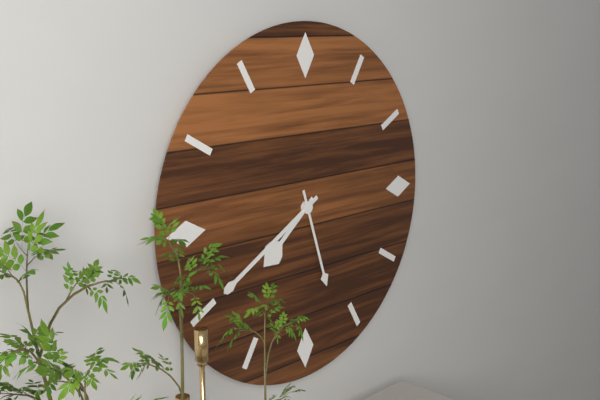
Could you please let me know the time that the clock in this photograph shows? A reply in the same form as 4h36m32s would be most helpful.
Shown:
7h40m27s
